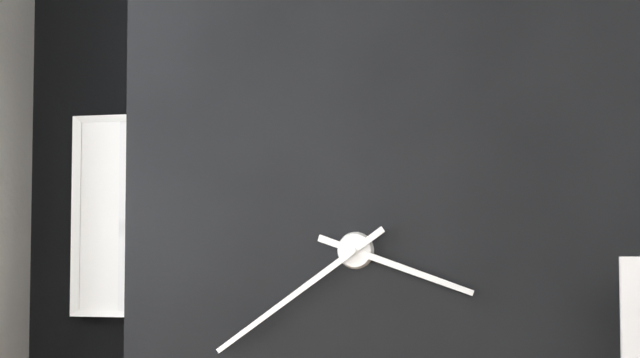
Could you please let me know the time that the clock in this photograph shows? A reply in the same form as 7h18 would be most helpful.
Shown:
3h39
